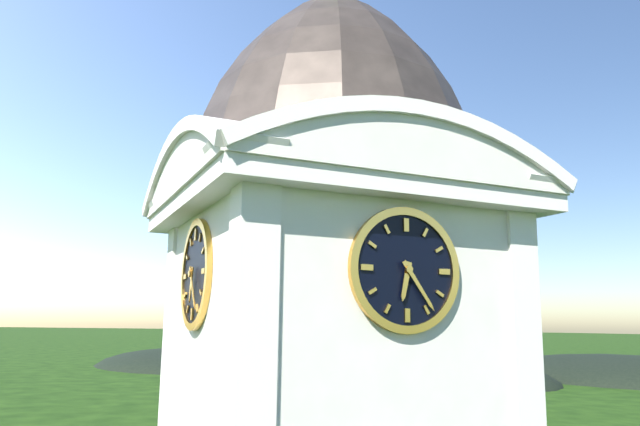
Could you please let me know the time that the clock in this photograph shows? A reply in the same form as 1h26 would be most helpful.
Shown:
6h24
